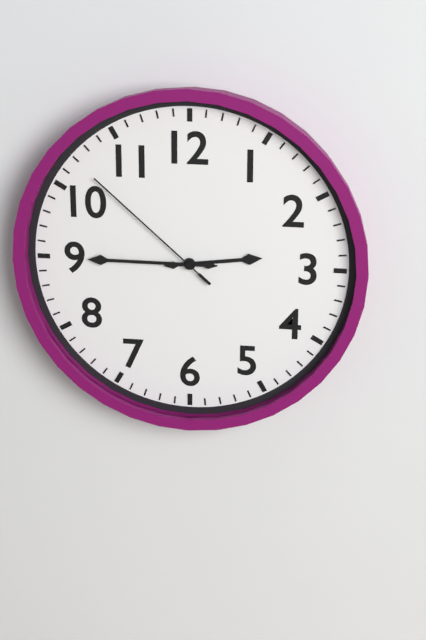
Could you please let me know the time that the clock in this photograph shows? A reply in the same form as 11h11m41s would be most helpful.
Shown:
2h45m52s
